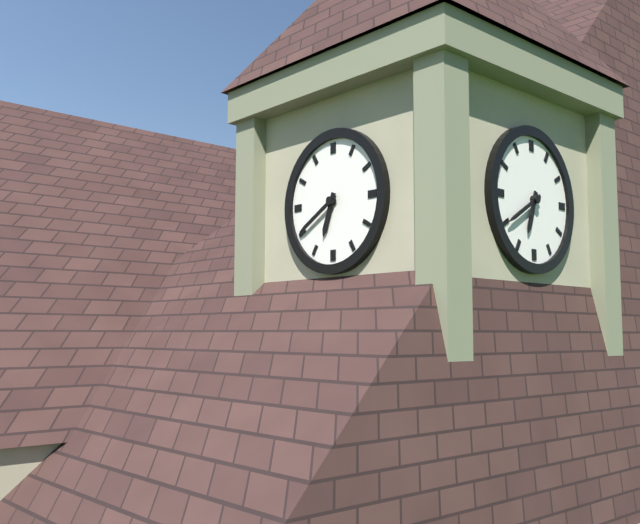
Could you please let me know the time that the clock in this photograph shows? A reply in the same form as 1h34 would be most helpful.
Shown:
6h40
